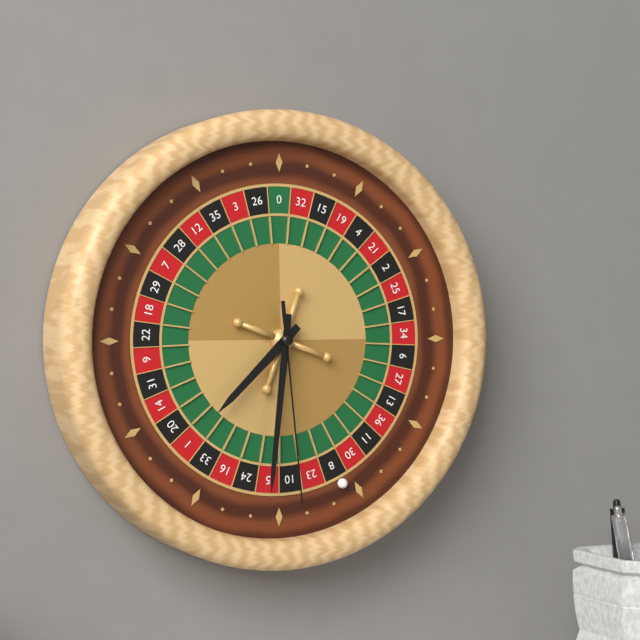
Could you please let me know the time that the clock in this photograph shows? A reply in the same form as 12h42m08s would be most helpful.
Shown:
7h31m29s
